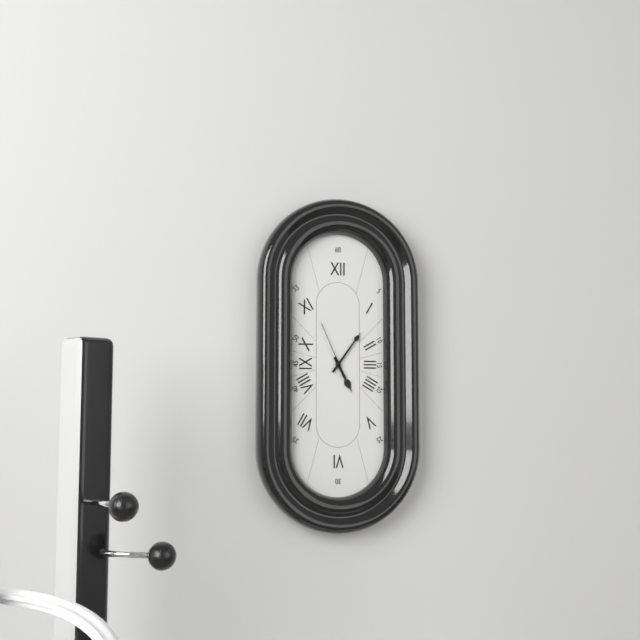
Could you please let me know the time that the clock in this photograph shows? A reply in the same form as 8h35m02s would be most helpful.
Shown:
5h06m56s
